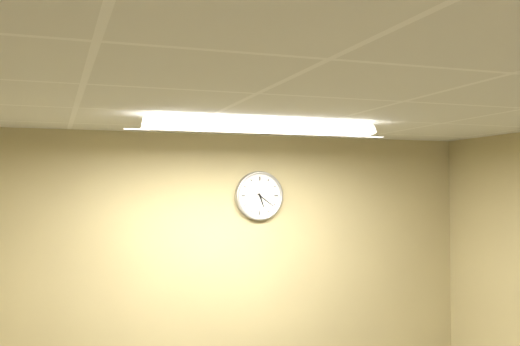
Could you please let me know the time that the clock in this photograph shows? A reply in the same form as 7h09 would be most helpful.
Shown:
5h21
